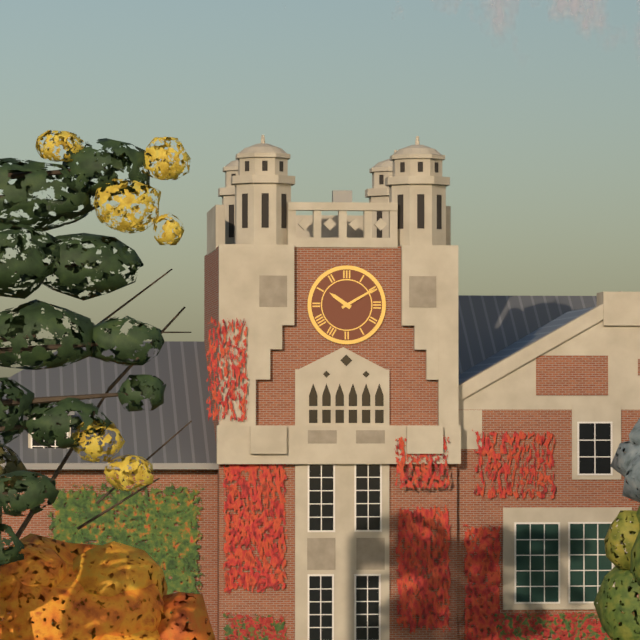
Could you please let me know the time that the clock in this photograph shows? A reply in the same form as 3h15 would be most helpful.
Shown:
10h10
